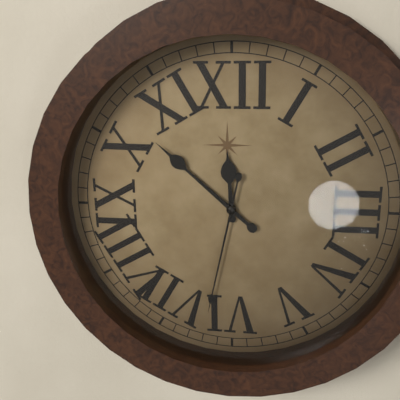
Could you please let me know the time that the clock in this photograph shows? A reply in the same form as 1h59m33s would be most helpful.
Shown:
11h52m32s
